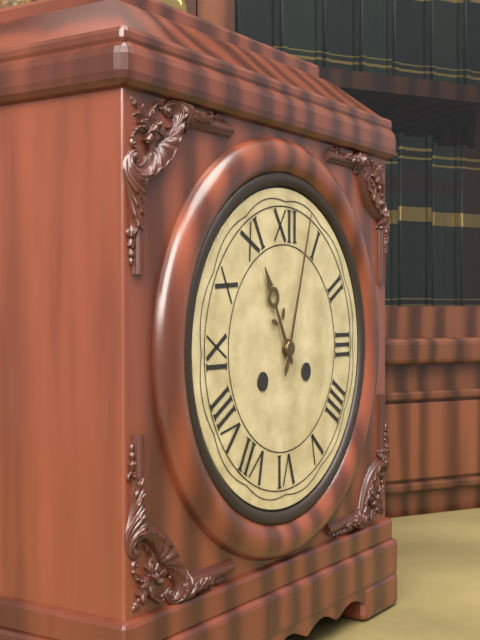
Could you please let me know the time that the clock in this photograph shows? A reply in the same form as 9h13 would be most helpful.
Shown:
11h03
